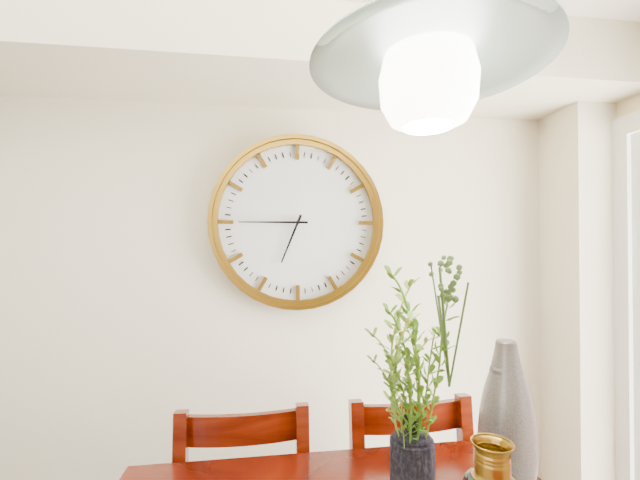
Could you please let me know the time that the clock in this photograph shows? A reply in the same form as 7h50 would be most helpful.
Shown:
6h45
